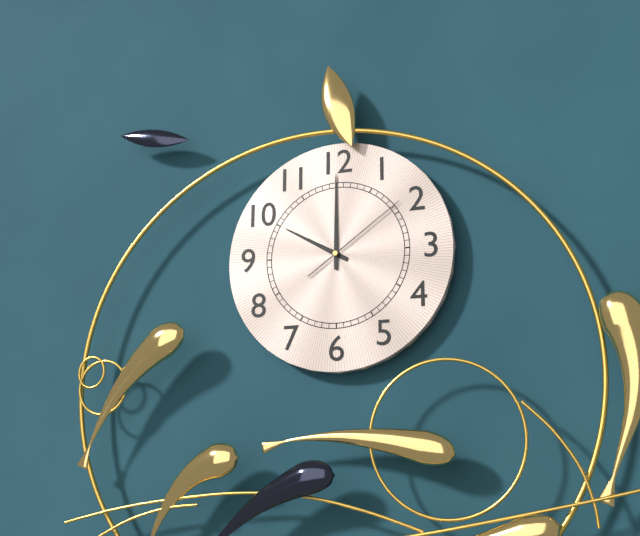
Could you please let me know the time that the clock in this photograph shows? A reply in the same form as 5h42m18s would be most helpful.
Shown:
10h00m09s
